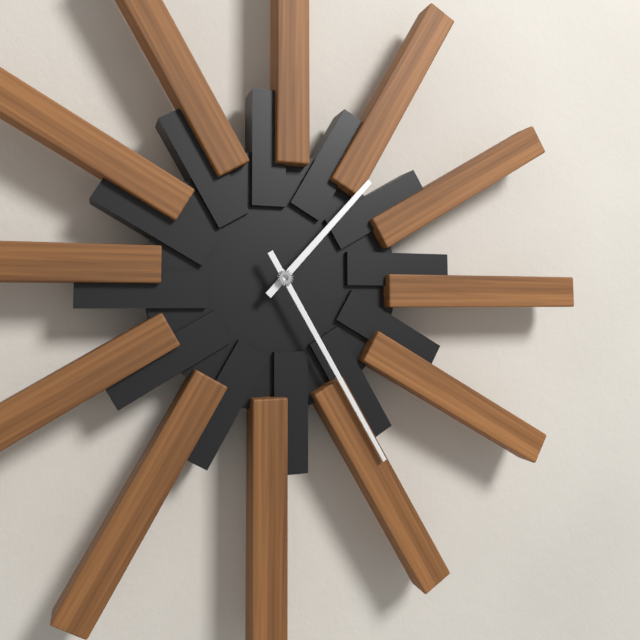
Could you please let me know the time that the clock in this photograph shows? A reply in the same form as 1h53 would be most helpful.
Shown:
1h25
